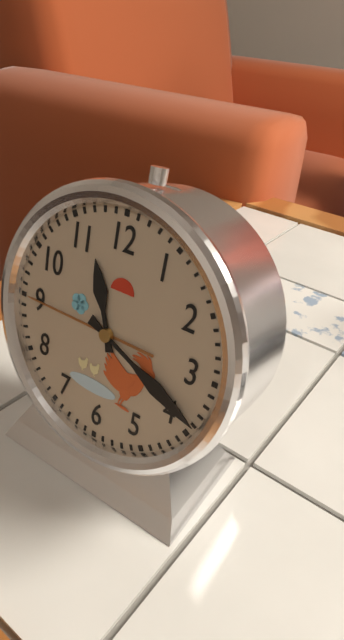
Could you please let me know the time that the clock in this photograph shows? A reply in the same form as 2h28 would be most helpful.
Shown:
11h19
